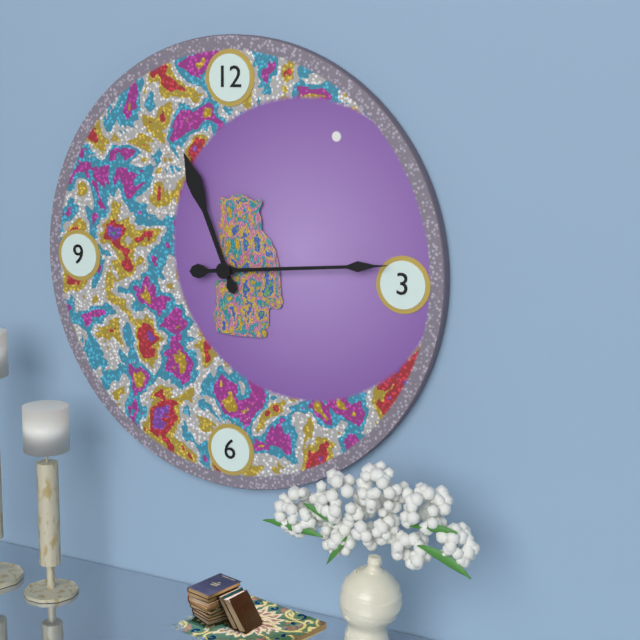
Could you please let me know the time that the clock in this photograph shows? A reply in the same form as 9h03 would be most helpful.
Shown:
11h14
